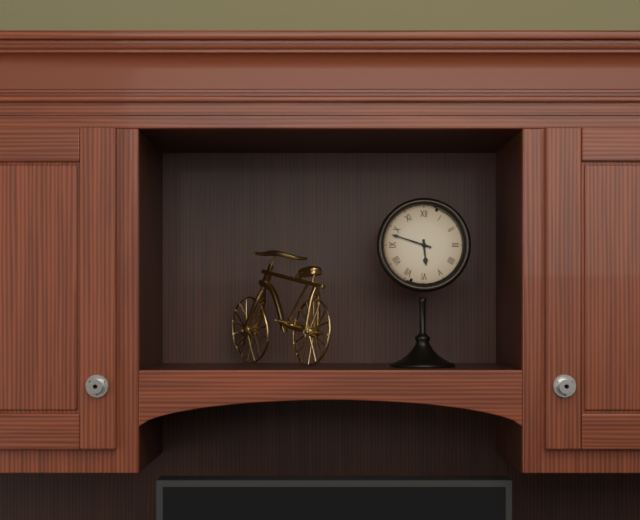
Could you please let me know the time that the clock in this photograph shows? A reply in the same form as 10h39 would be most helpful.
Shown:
5h48
